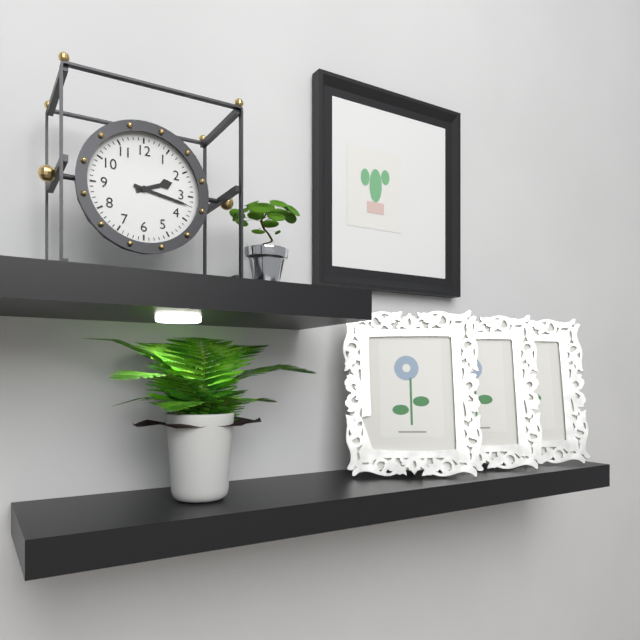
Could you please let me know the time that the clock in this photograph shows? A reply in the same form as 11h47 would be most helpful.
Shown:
2h17
